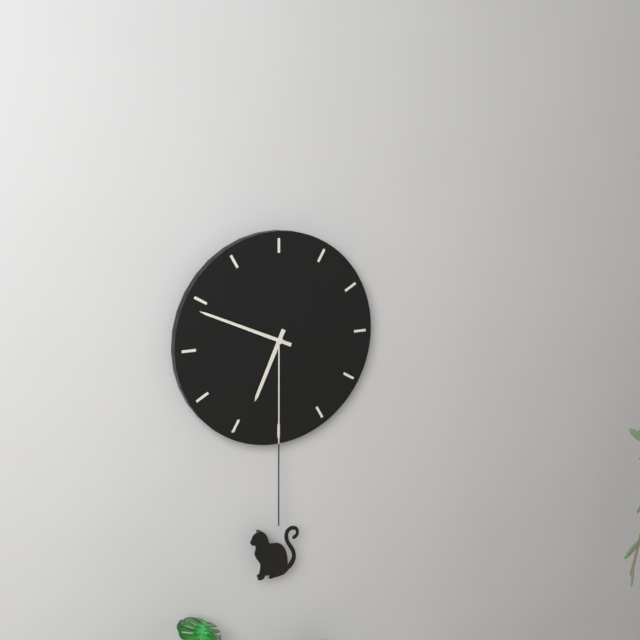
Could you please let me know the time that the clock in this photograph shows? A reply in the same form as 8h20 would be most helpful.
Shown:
6h49
